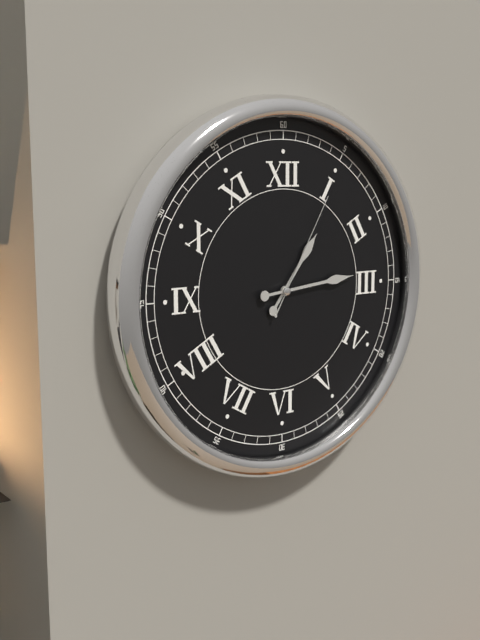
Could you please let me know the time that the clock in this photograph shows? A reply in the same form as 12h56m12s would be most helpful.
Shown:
1h14m05s
